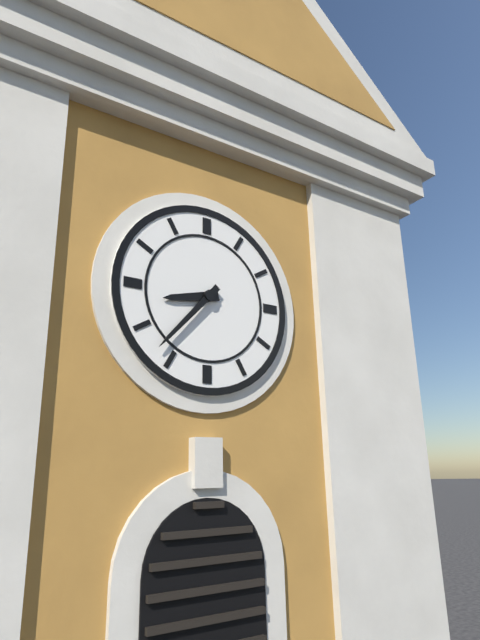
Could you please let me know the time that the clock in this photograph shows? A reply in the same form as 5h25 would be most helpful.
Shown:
8h37
